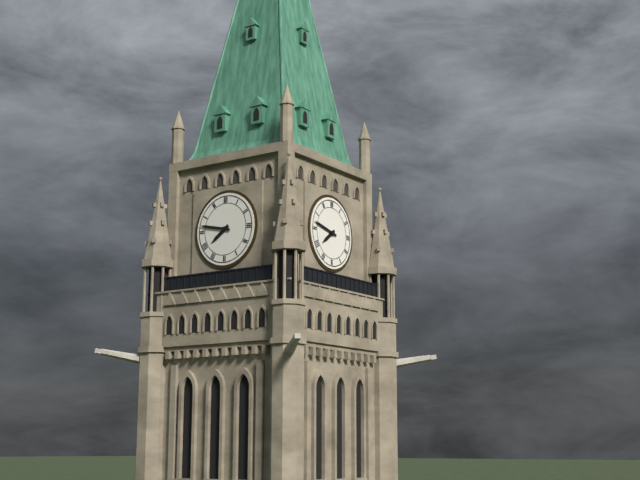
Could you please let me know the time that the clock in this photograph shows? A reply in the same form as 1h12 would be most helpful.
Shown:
7h47
